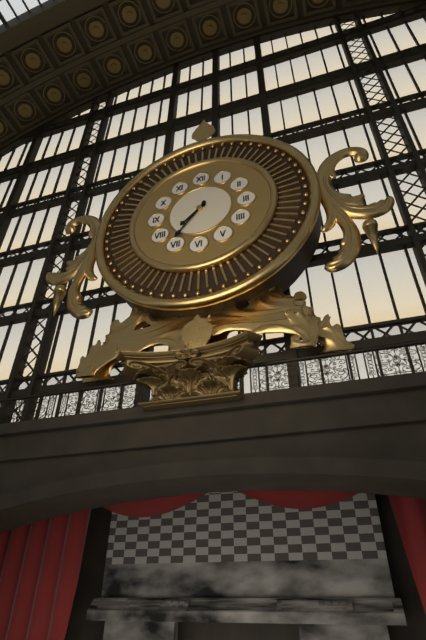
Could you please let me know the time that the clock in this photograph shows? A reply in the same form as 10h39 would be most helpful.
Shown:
7h36
